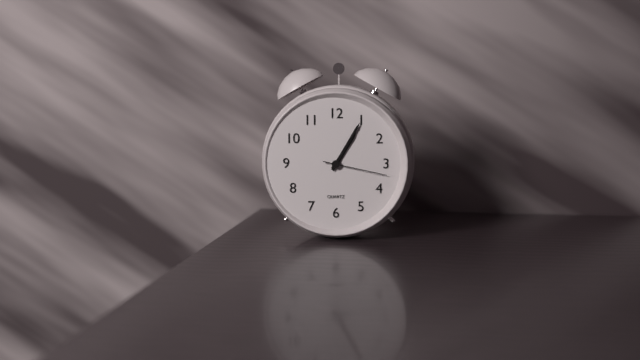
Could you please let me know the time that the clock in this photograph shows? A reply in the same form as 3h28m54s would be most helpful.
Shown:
1h05m17s
